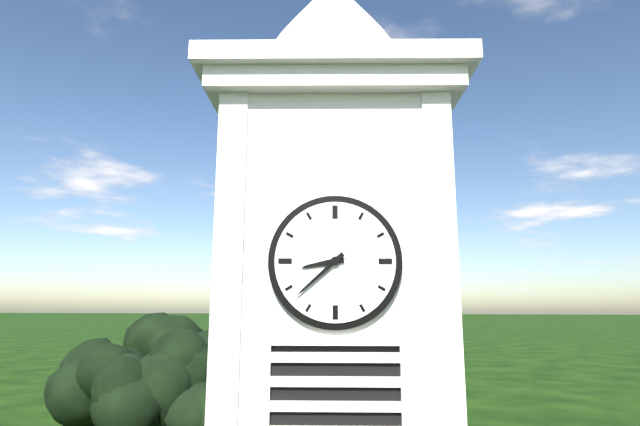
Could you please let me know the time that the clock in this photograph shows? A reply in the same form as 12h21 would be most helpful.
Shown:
8h38
